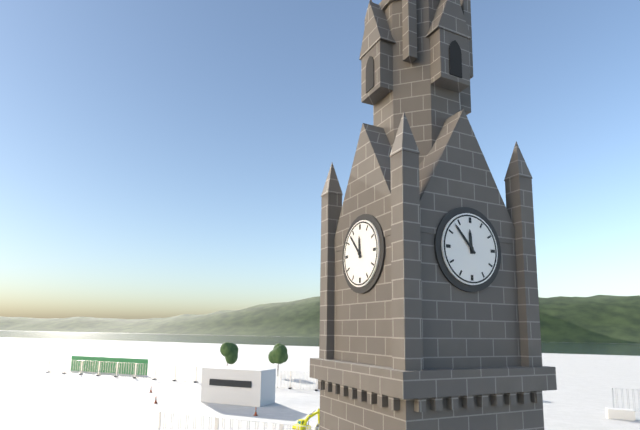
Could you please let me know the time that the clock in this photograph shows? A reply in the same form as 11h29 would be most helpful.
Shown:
11h53
